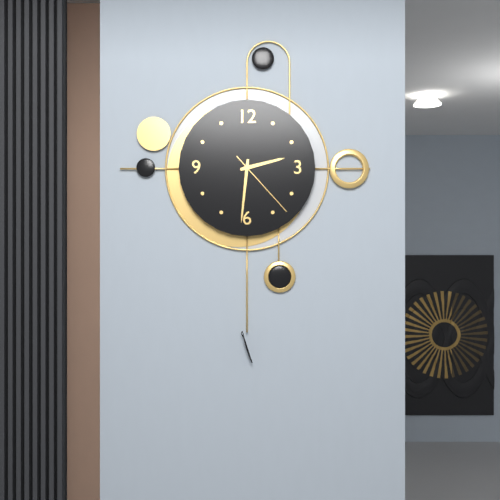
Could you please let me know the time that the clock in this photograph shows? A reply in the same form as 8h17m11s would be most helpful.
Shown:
2h31m23s
